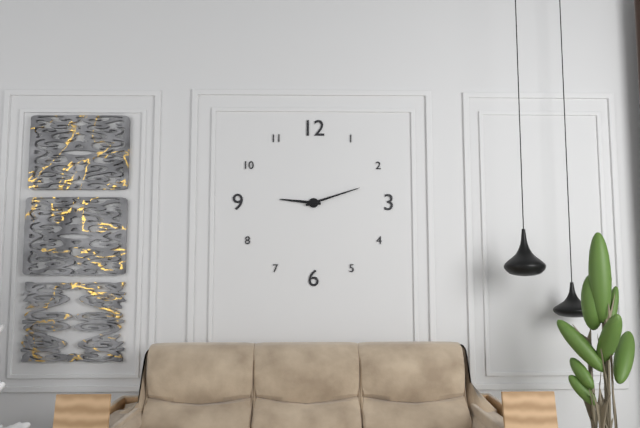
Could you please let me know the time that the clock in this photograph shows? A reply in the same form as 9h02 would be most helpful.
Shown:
9h12
